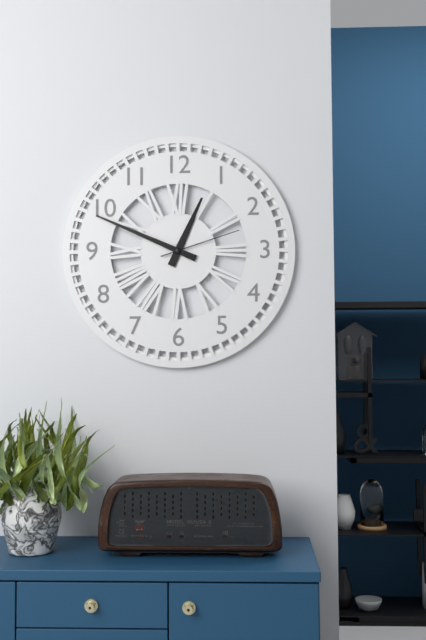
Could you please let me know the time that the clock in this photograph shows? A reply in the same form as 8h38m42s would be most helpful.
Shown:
12h49m12s
